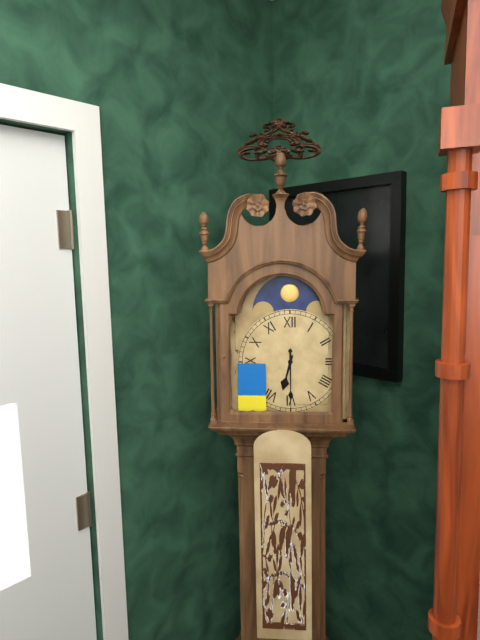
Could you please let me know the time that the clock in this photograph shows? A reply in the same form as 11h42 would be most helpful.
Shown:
6h30
